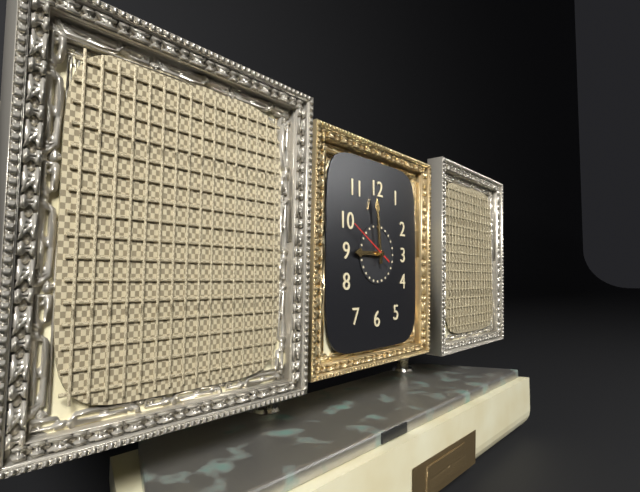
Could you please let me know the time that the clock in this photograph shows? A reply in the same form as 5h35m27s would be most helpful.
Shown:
8h59m50s
